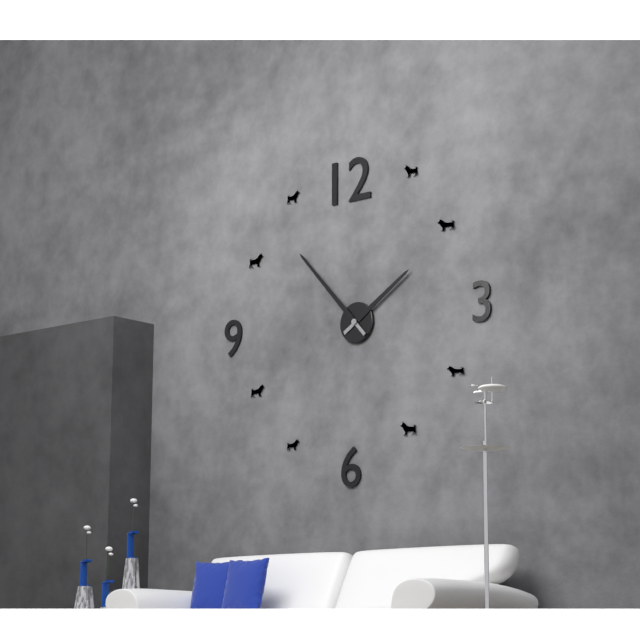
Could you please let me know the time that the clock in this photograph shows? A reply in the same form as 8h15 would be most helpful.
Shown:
1h53
